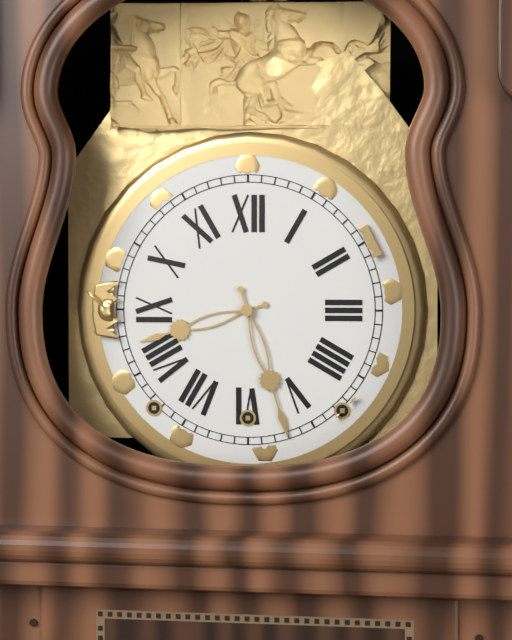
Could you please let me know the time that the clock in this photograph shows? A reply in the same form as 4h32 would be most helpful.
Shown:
8h27
